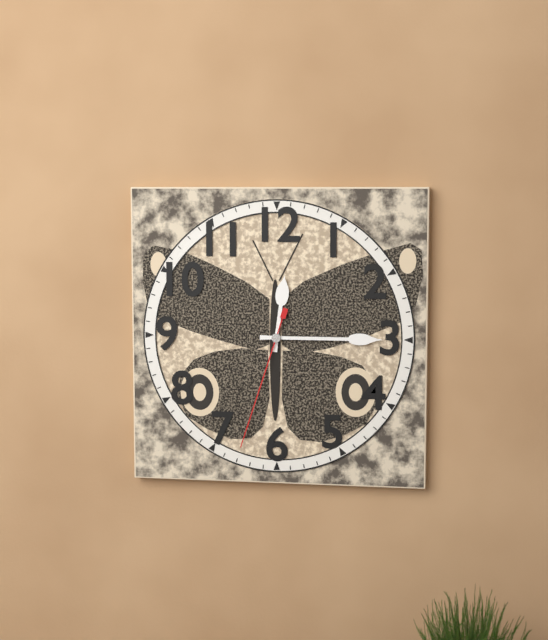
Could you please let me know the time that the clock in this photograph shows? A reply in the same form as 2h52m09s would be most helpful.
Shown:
12h15m33s
